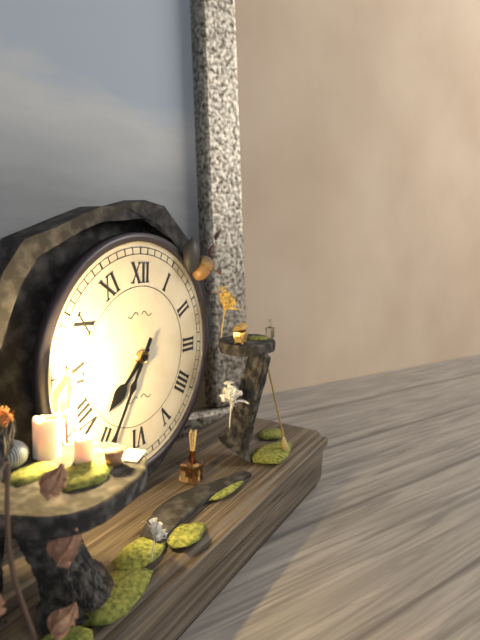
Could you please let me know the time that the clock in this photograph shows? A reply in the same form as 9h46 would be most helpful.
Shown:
7h35
